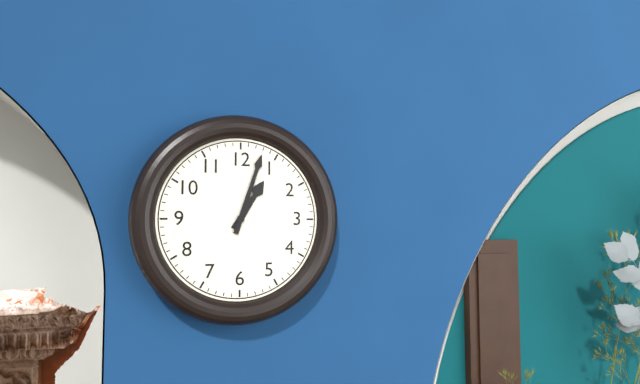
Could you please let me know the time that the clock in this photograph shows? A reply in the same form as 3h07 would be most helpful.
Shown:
1h03
